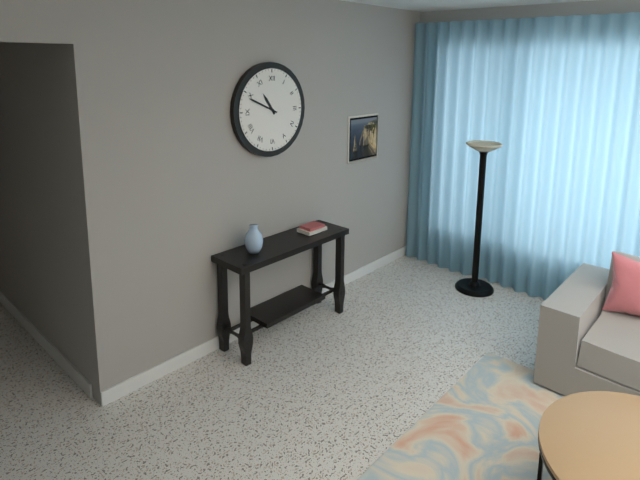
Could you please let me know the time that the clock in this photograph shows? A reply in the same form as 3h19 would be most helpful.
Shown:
10h49
